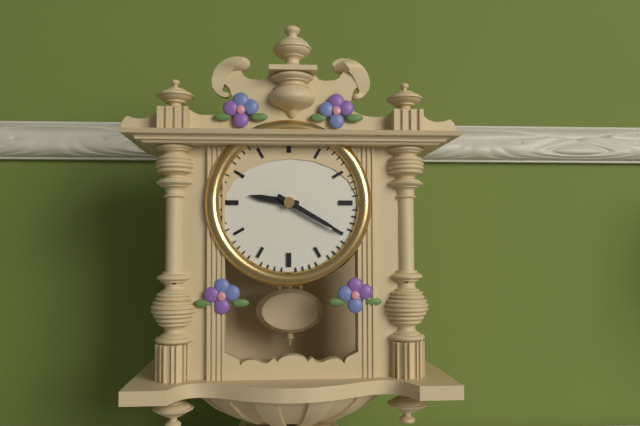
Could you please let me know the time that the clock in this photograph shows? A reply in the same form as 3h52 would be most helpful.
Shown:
9h20
